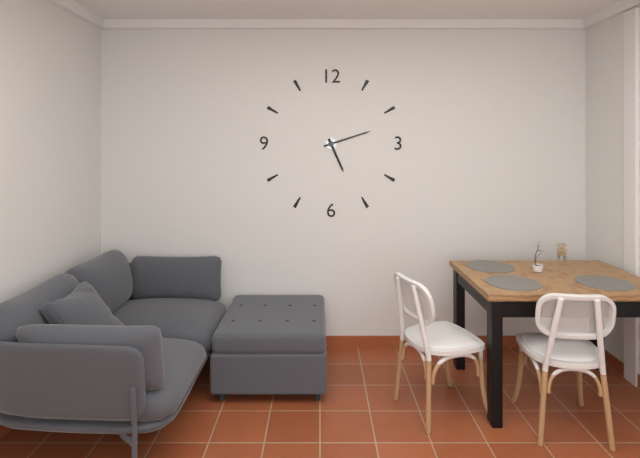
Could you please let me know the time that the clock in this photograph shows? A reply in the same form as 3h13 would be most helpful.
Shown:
5h12
